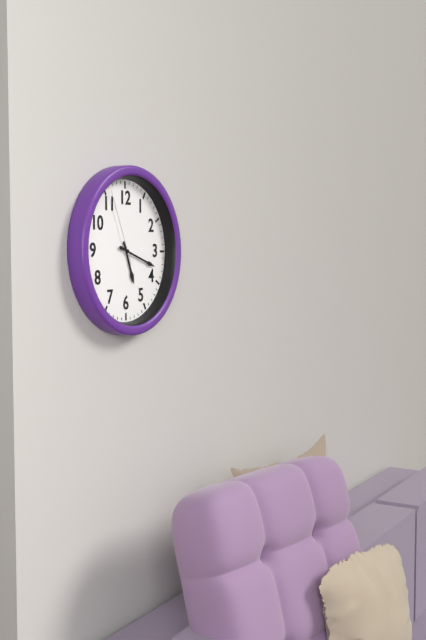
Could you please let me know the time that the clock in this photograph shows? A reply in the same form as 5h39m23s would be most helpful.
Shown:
5h18m56s
